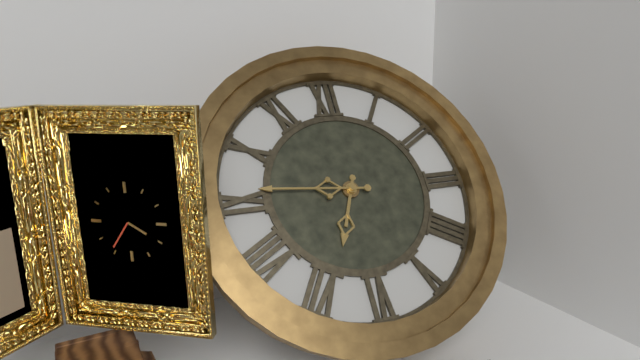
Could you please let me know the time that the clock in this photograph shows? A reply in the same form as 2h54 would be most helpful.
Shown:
6h46
